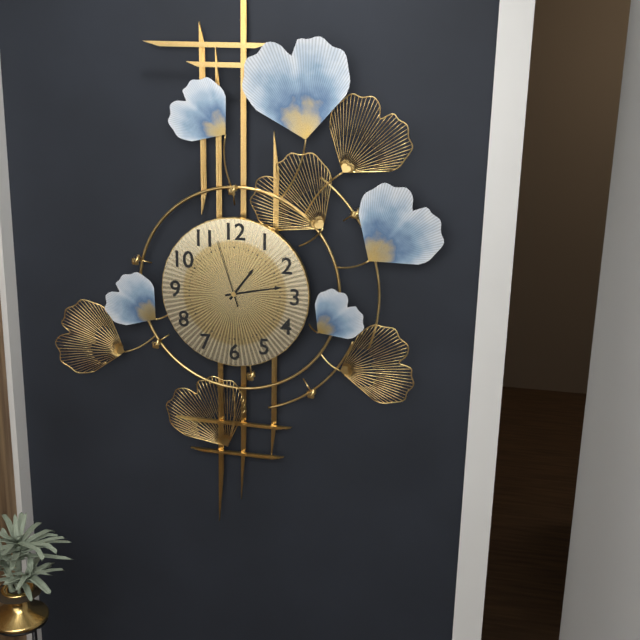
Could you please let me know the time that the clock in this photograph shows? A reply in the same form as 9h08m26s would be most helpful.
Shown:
1h13m57s
